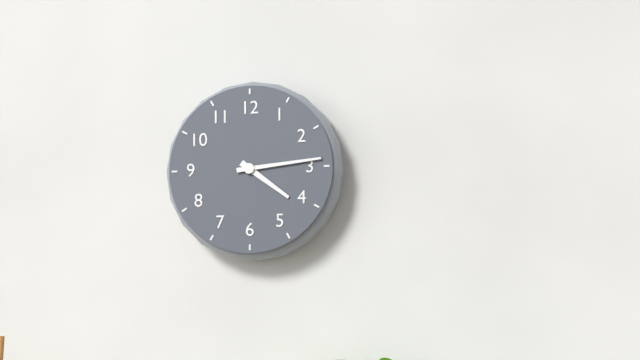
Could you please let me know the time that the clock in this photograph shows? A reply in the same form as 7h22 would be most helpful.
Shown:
4h14
